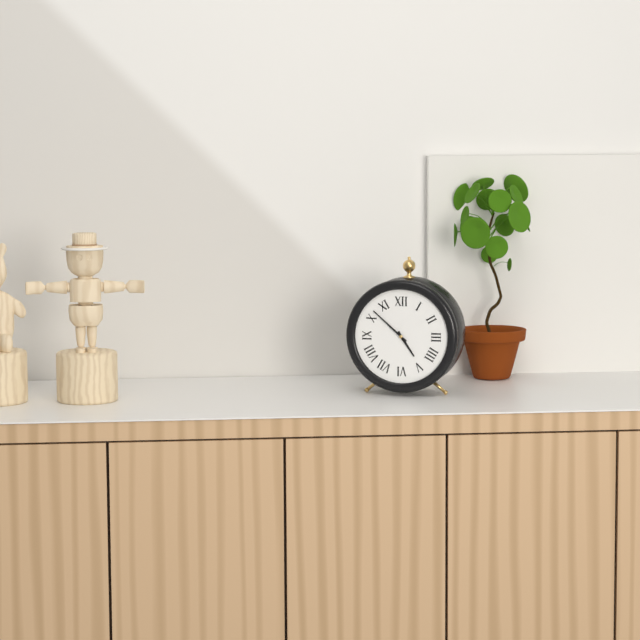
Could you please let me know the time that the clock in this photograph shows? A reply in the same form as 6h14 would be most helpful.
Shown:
4h52
